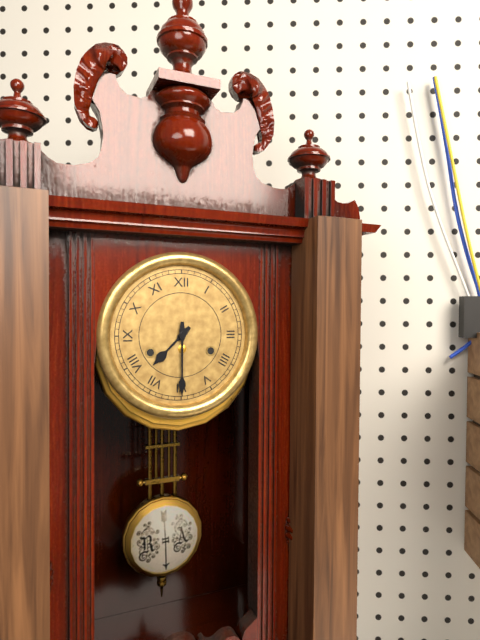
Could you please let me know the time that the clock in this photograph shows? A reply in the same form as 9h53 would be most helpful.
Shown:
7h30
